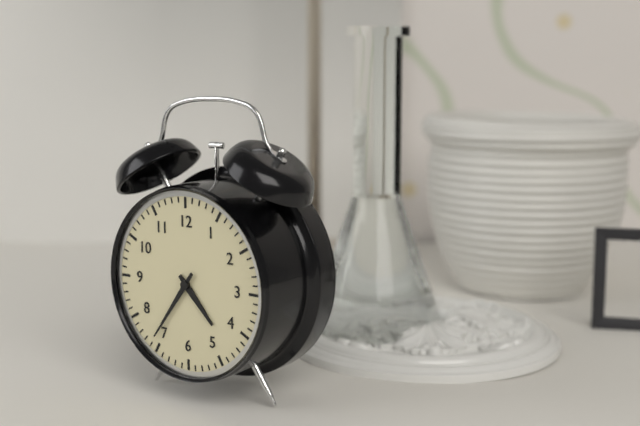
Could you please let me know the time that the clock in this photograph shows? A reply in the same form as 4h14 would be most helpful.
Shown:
4h36
